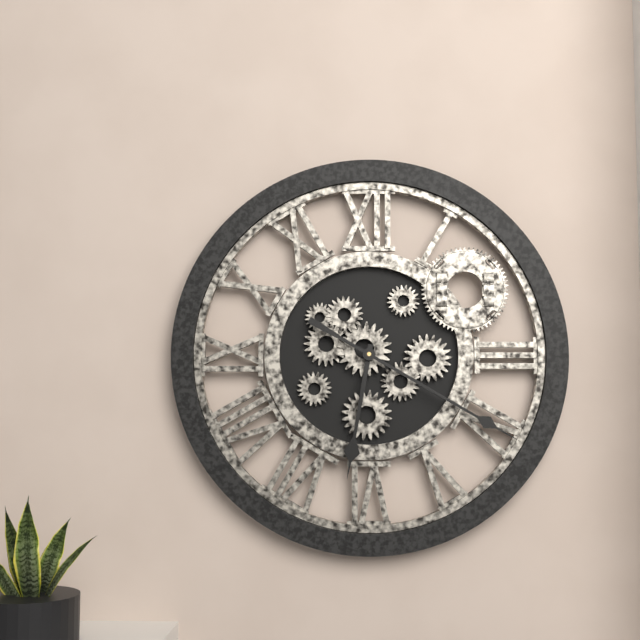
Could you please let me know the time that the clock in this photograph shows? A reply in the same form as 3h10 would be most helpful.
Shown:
6h20
